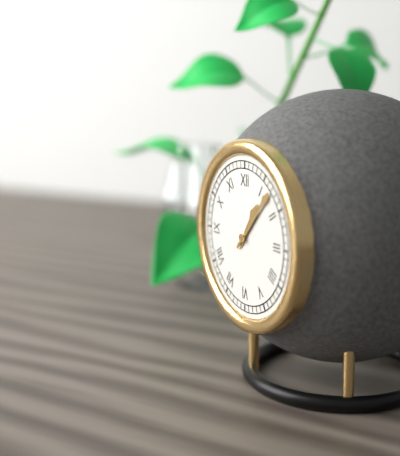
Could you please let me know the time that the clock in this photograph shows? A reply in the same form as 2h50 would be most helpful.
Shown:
1h07
